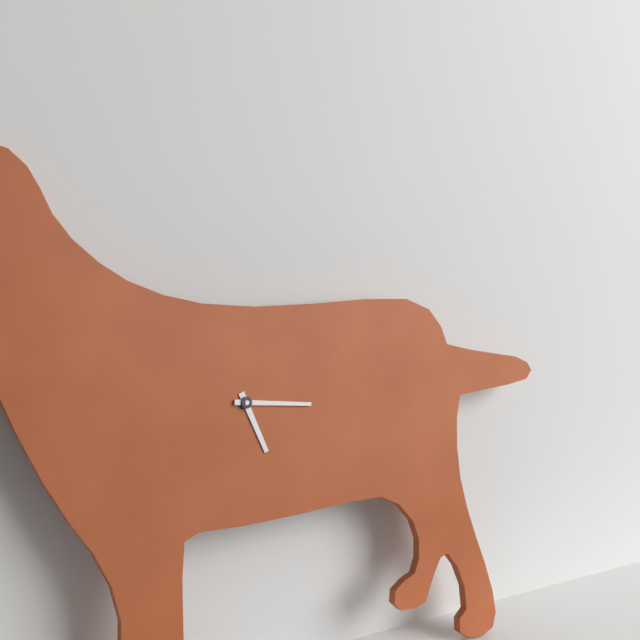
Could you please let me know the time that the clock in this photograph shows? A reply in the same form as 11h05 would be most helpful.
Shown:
5h16
